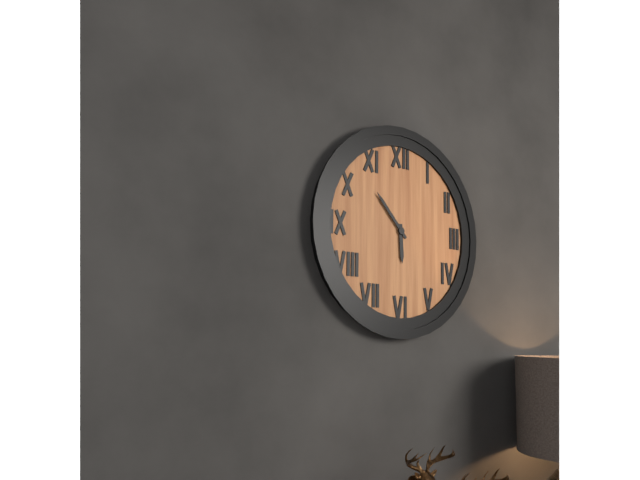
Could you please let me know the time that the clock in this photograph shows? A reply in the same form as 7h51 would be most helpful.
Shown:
5h53
